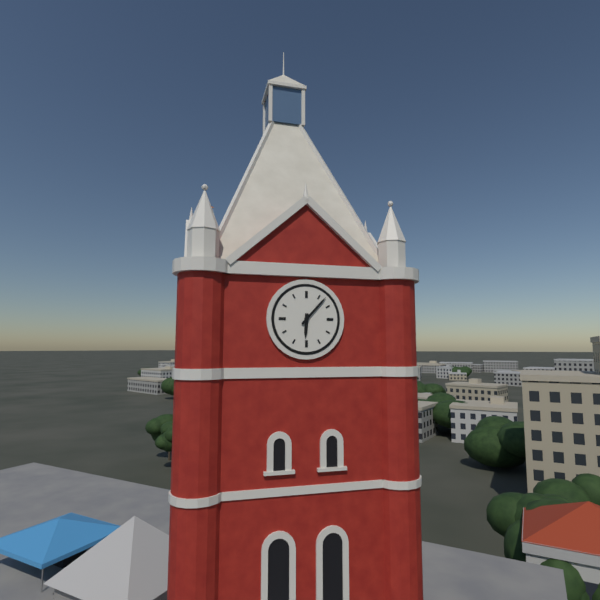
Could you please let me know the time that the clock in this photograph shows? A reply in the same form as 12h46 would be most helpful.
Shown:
6h07
